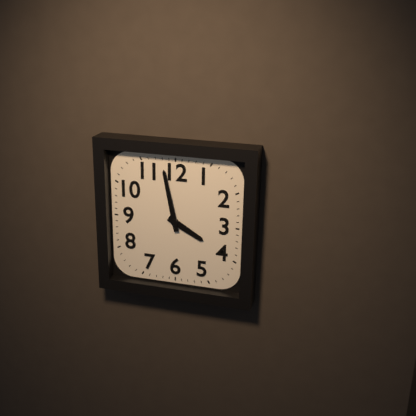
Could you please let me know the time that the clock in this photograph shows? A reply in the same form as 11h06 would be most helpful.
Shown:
3h58
